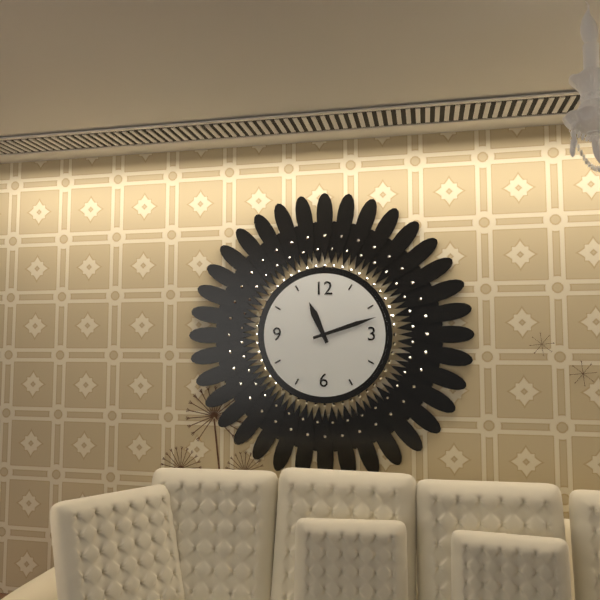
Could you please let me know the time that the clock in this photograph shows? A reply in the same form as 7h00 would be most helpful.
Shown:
11h12
